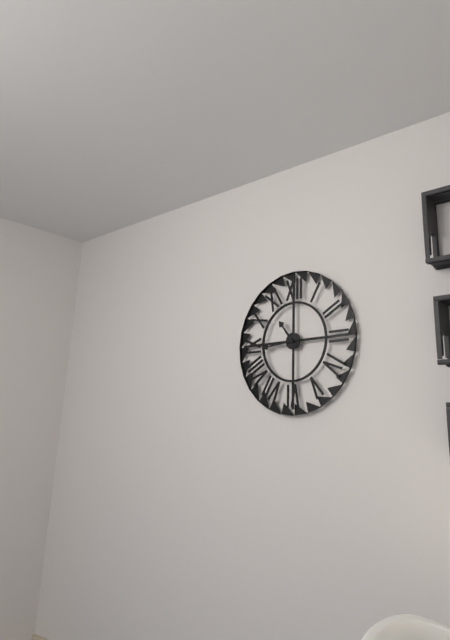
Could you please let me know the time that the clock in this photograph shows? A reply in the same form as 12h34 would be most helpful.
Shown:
10h44
